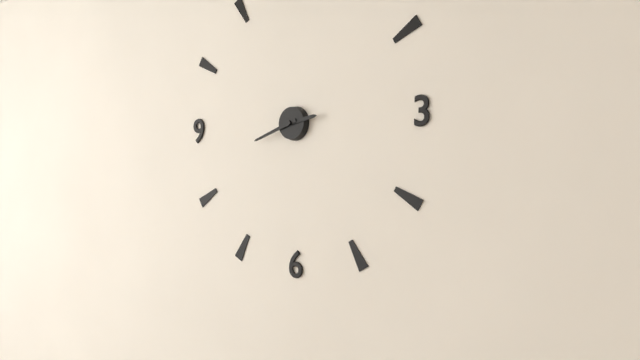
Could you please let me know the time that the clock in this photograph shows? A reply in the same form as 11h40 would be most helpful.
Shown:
2h42
